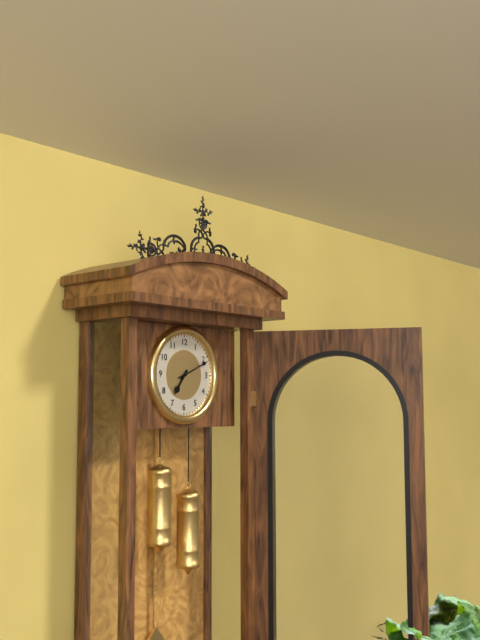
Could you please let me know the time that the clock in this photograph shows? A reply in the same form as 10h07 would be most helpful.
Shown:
7h11
